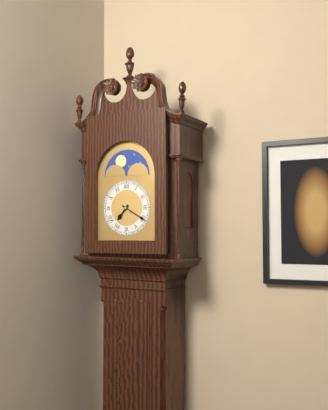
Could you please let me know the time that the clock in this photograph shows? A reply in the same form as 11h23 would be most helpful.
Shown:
7h20
